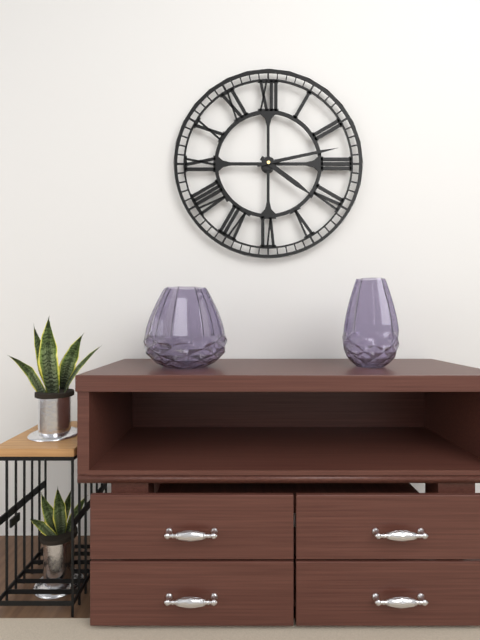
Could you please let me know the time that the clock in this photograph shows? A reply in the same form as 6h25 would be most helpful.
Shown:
4h13
